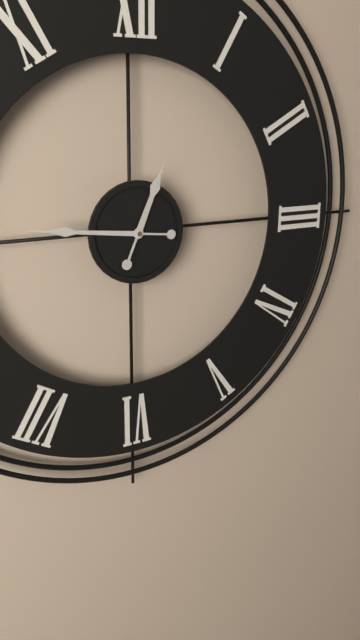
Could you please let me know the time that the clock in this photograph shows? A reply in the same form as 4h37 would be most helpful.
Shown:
12h46
